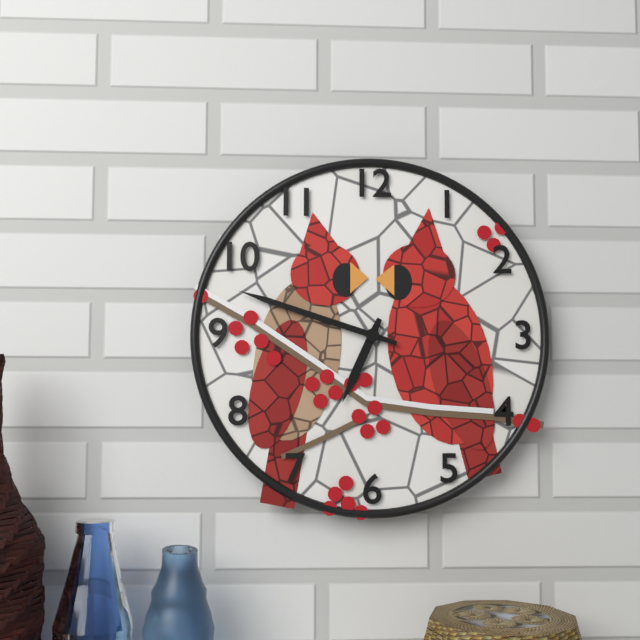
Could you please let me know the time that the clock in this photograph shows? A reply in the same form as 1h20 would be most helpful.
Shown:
6h48
